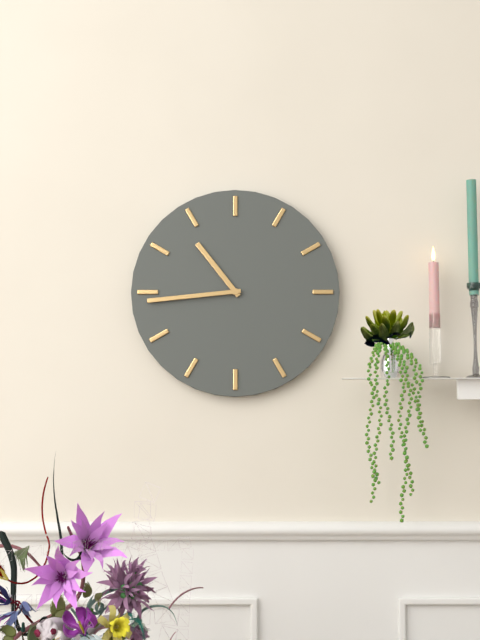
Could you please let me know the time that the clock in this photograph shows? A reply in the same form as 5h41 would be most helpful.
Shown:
10h44
